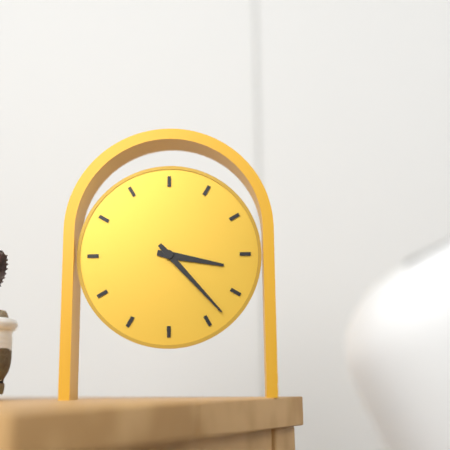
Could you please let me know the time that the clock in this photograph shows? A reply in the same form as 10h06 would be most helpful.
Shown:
3h23
